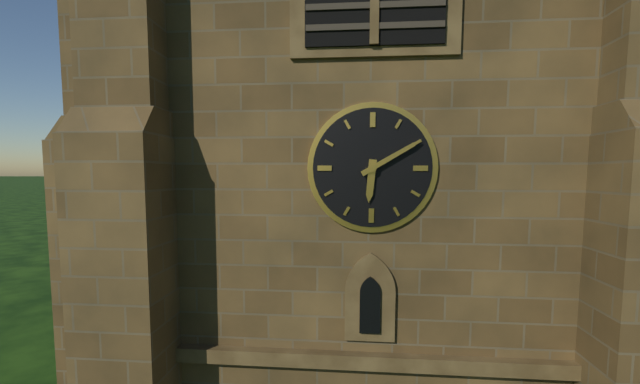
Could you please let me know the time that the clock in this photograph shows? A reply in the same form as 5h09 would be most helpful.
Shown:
6h10
